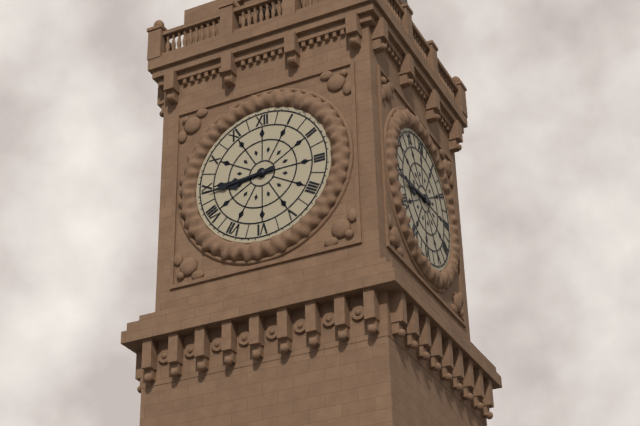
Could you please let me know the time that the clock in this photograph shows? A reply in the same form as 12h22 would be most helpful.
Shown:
8h44
